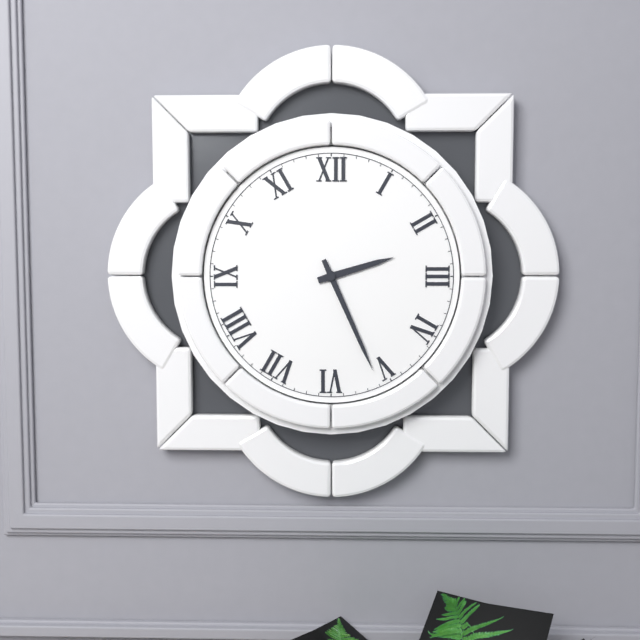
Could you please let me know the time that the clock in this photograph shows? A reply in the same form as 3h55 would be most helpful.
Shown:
2h26
